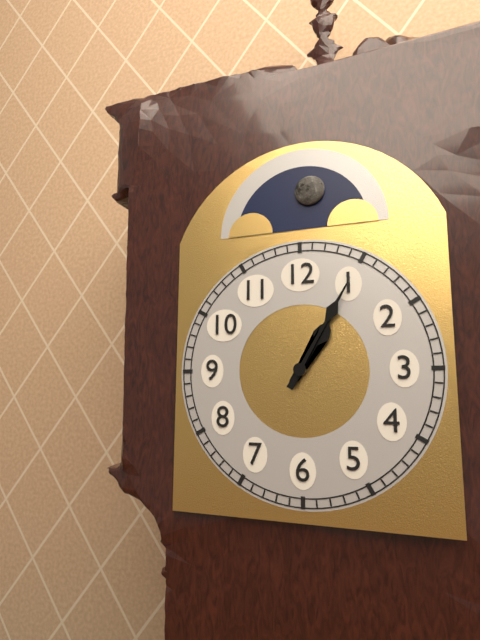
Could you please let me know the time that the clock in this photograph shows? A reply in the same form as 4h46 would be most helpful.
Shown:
1h05
